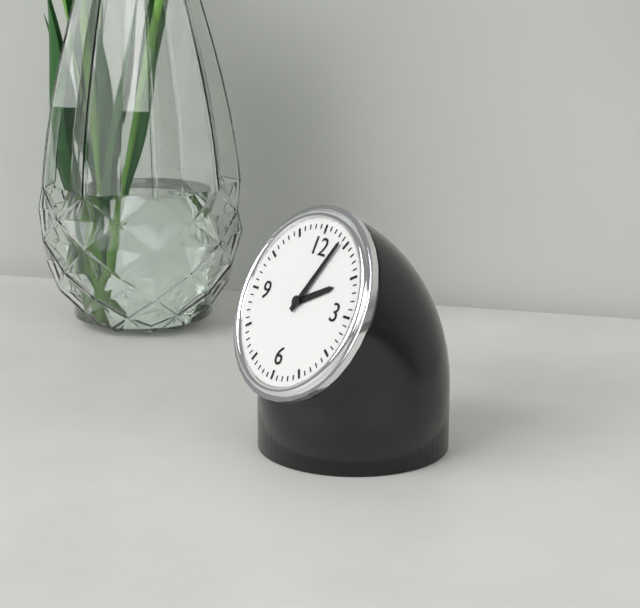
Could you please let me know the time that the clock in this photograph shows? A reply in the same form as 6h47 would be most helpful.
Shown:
2h04
